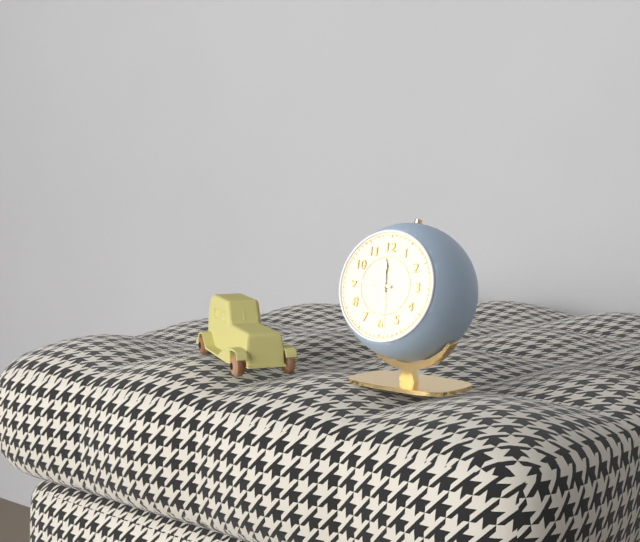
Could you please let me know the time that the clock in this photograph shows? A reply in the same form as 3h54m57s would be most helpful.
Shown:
11h46m29s
